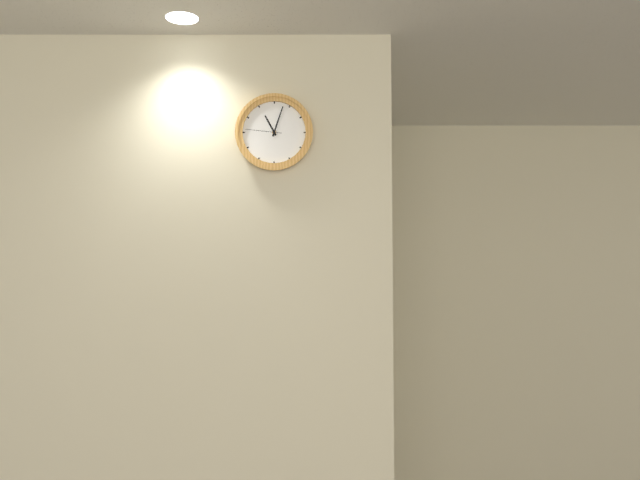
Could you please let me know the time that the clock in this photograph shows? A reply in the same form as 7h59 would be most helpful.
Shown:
11h03
